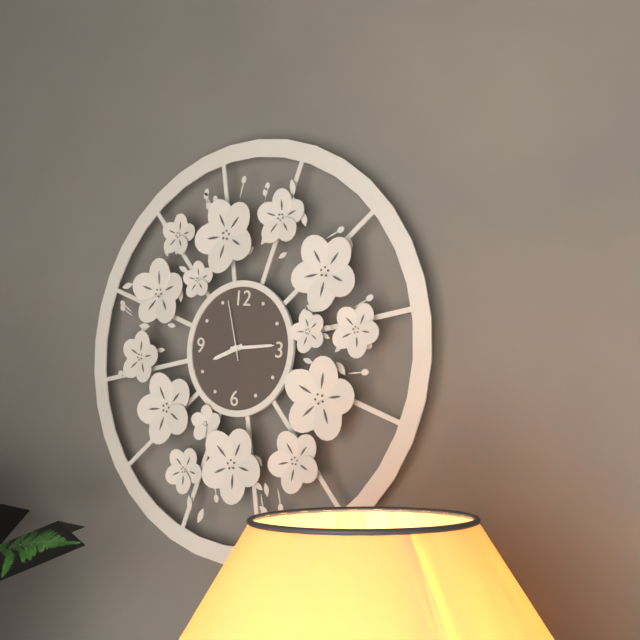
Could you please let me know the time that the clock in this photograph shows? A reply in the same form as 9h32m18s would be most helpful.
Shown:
8h14m57s
